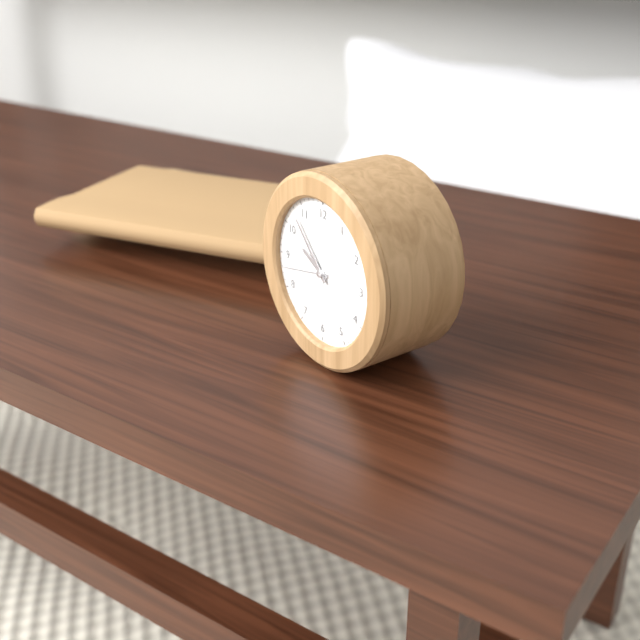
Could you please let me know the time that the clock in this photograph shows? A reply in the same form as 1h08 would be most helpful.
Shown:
9h53
